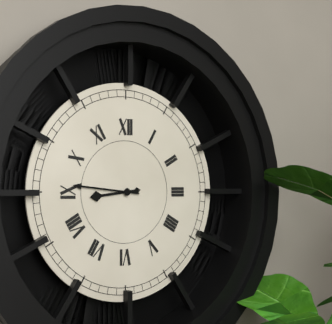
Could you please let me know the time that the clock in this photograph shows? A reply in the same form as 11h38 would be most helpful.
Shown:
8h46
